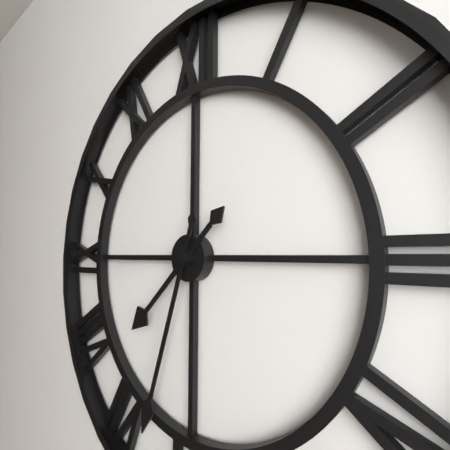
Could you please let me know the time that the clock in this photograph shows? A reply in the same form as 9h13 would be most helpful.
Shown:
7h33
